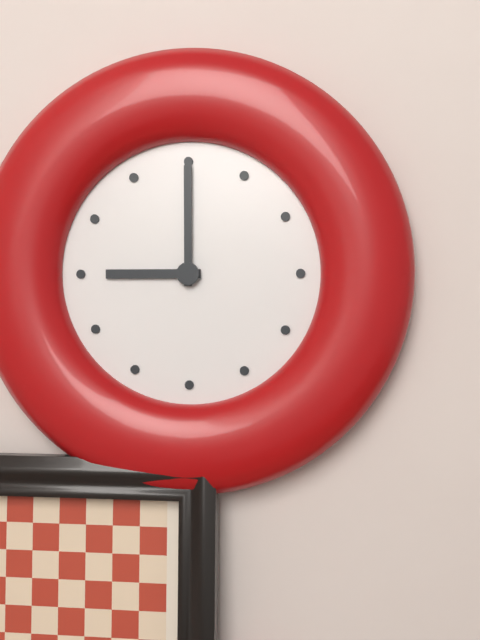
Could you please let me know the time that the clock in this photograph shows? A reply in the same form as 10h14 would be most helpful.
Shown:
9h00
